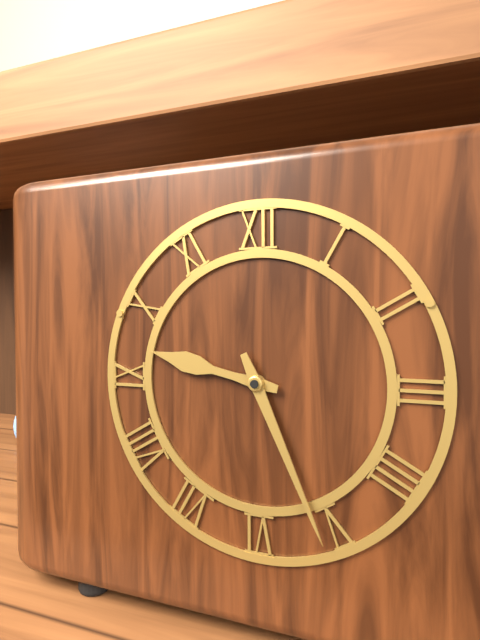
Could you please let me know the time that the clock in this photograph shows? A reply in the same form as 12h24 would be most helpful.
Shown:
9h26
